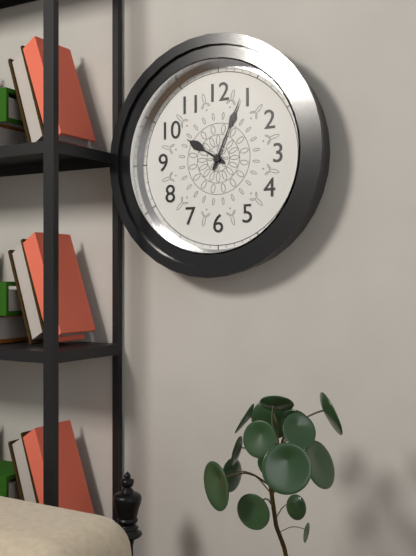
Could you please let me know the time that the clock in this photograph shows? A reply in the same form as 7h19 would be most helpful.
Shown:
10h04
